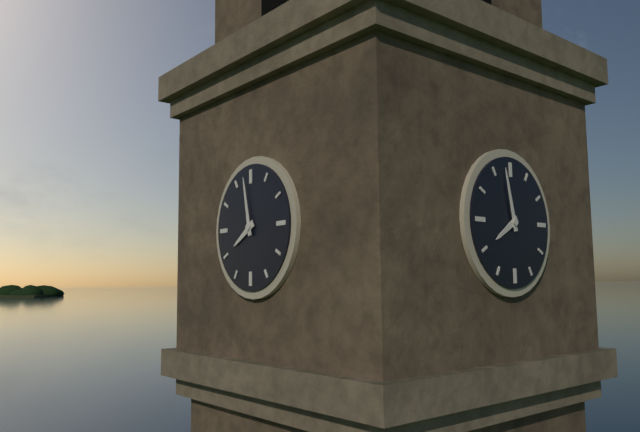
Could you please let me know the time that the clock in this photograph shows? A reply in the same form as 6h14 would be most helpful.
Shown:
7h58
